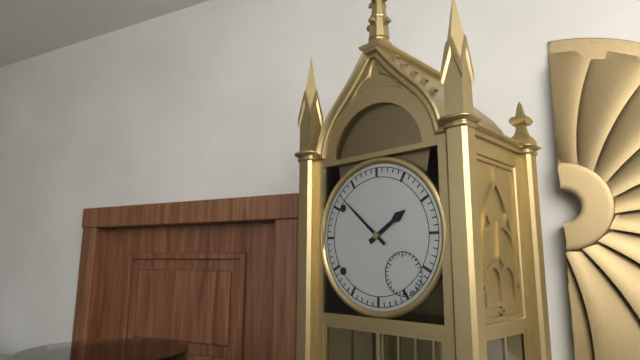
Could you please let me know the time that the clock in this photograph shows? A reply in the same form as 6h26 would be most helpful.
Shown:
1h52
